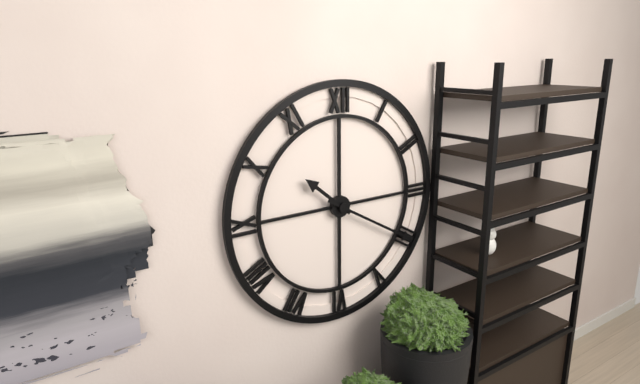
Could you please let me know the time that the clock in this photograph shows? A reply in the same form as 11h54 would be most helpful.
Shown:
10h20
